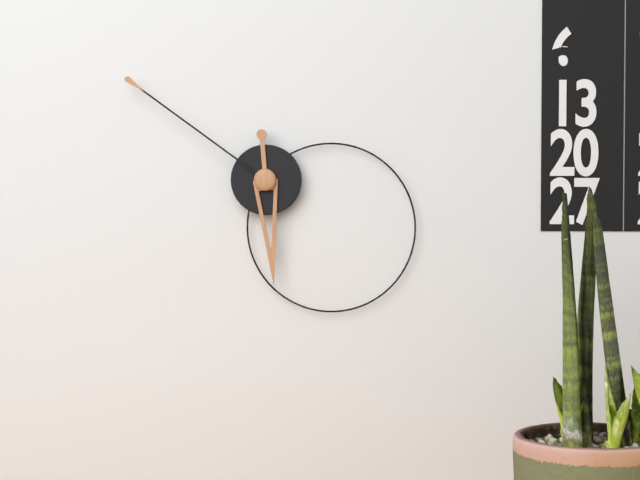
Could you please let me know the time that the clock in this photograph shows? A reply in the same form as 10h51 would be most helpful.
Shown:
5h51
